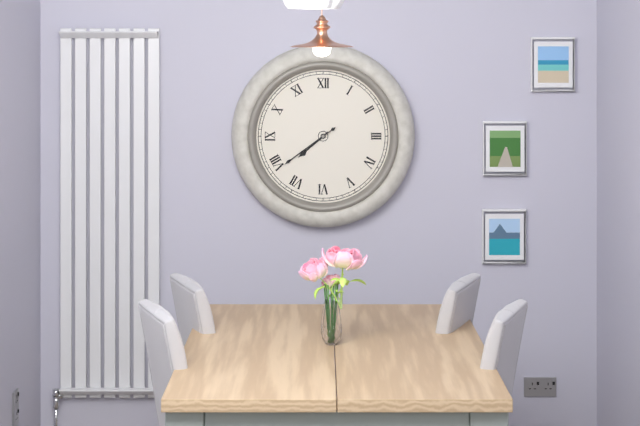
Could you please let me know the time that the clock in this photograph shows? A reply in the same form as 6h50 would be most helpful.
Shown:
7h39
